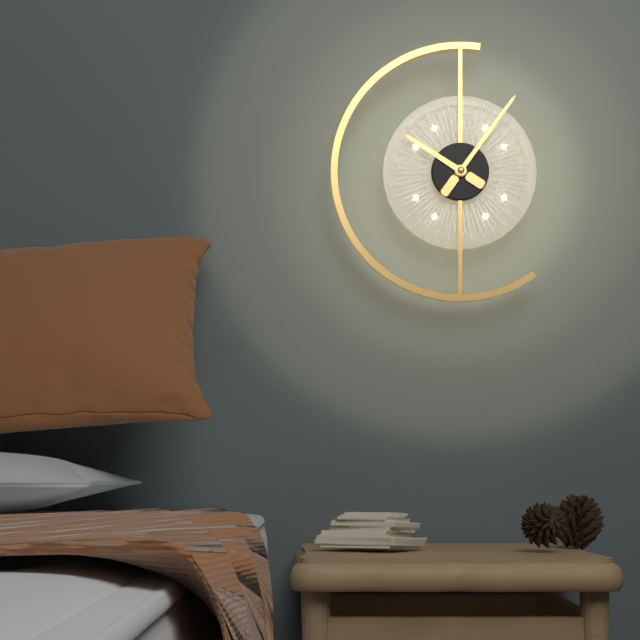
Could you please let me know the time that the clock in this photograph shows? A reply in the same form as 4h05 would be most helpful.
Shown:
10h06
